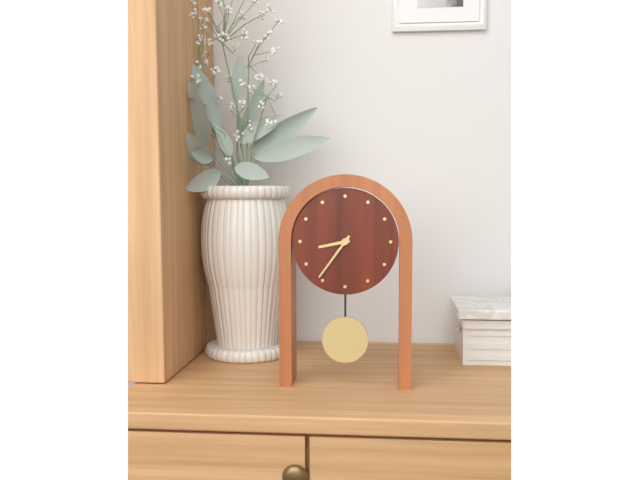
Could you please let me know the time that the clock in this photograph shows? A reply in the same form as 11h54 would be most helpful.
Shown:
8h36
